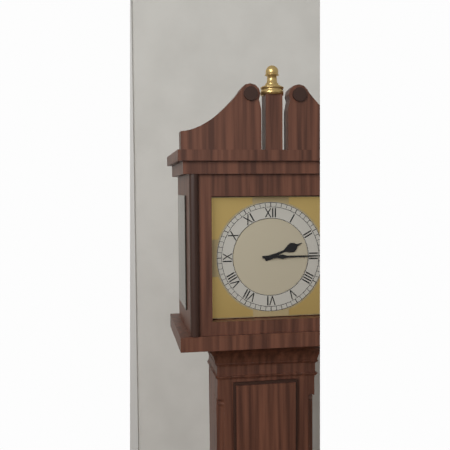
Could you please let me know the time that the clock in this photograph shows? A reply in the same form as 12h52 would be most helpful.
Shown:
2h15
